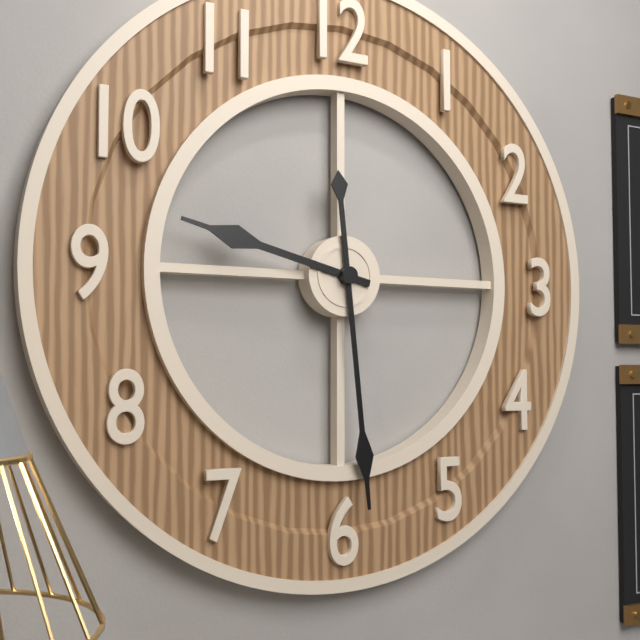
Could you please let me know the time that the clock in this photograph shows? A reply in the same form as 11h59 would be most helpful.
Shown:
9h29
